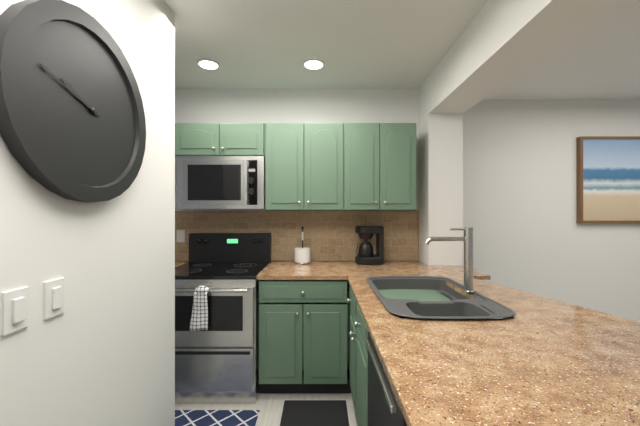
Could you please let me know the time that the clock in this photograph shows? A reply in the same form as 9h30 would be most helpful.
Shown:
9h48
